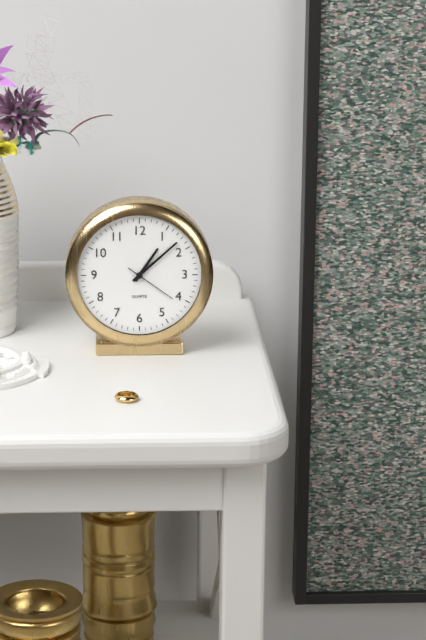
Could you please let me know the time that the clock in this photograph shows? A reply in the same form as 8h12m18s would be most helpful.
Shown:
1h08m21s
